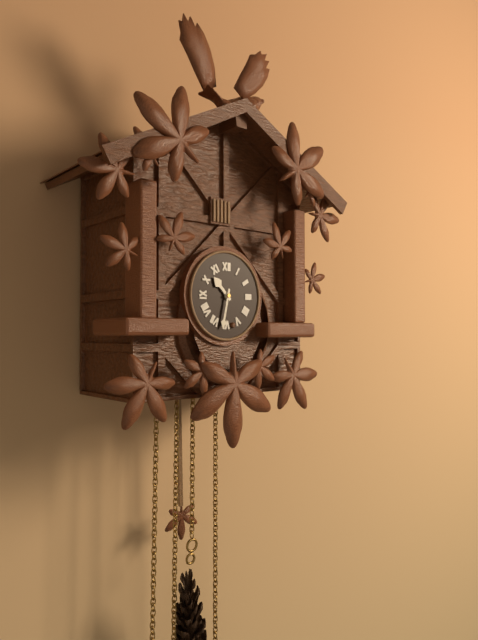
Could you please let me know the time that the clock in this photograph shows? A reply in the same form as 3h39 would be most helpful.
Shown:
10h32
